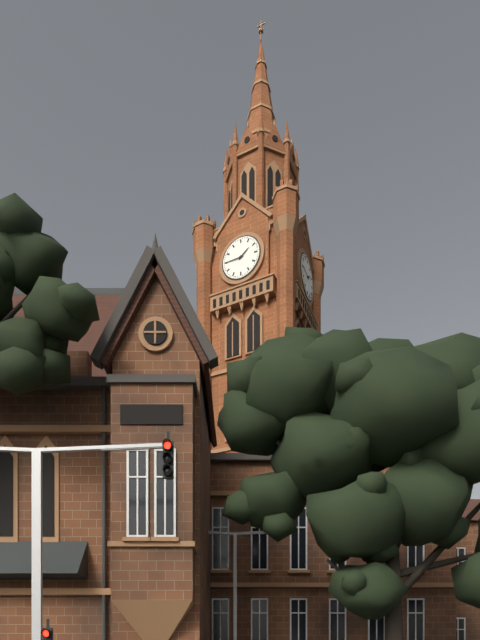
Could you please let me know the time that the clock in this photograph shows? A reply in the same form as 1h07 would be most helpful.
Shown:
1h45
